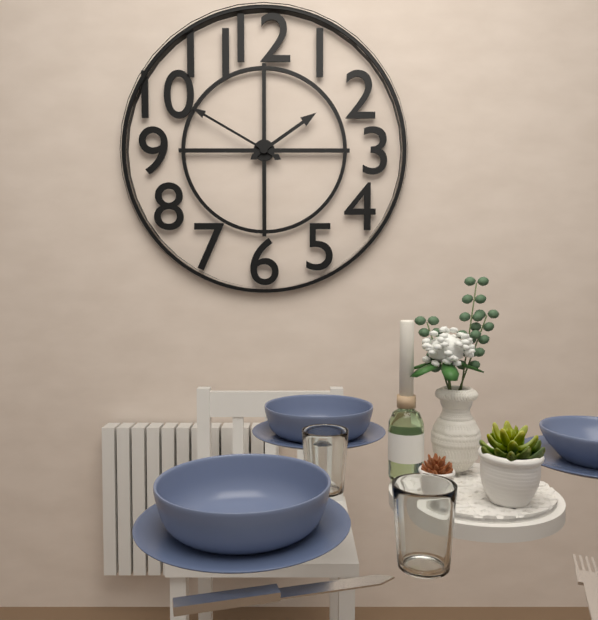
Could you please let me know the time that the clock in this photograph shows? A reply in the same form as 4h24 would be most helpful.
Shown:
1h50
